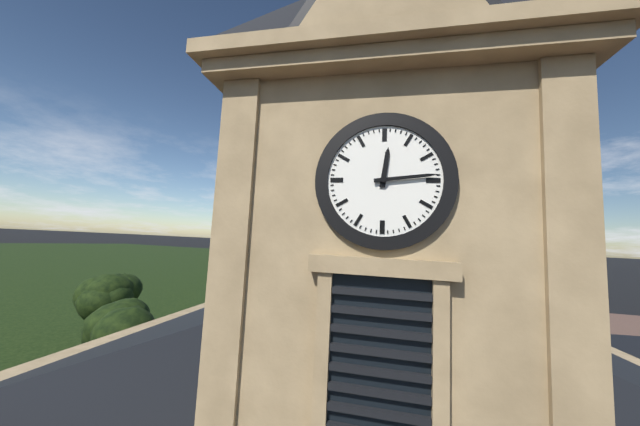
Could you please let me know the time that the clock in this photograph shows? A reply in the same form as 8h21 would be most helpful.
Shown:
12h14
